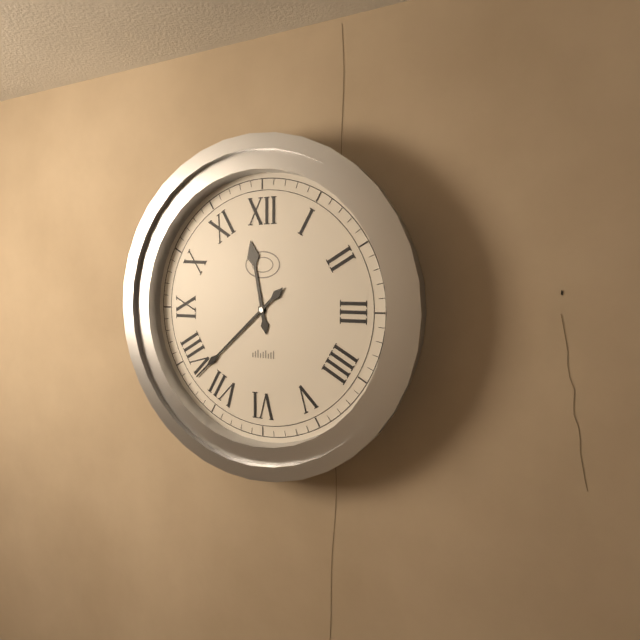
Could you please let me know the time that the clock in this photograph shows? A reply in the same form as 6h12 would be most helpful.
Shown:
11h38
